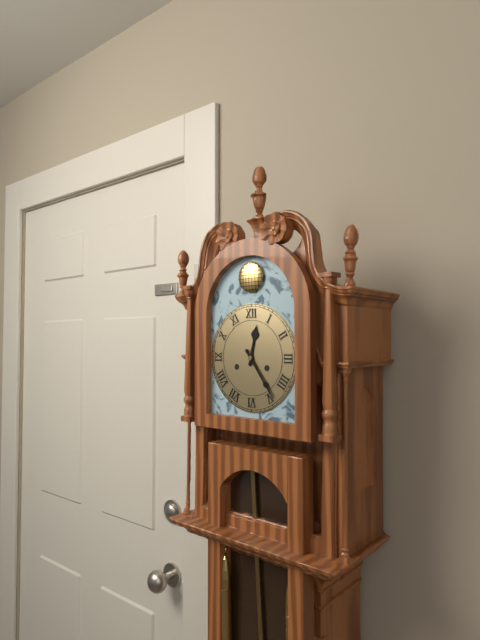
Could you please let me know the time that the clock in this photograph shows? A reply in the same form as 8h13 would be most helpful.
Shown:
12h24
